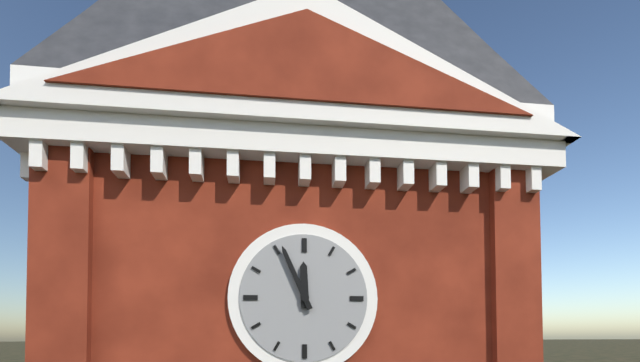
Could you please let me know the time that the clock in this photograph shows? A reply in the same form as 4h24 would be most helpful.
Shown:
11h56
